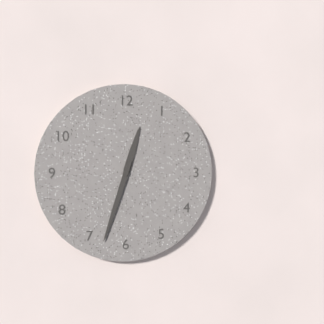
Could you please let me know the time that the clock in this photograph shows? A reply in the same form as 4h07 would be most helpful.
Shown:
12h33
